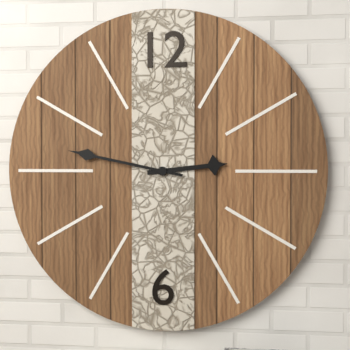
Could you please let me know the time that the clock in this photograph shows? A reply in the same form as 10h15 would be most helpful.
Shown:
2h47
